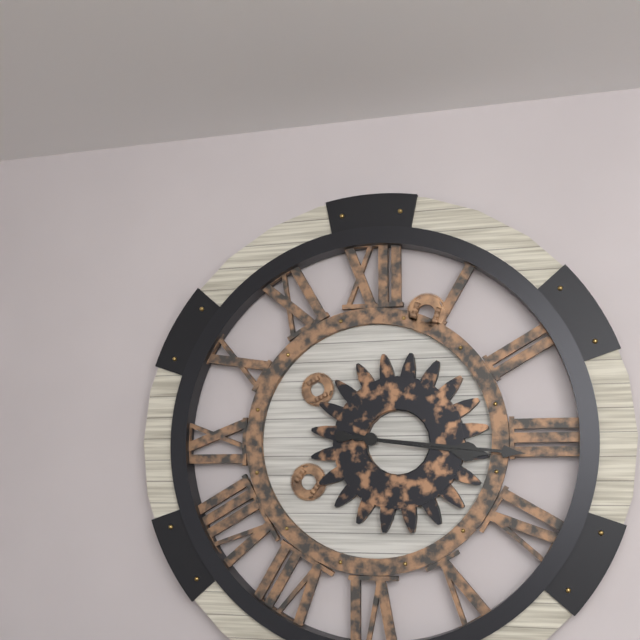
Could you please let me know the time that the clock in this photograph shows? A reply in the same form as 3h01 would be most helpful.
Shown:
3h16
